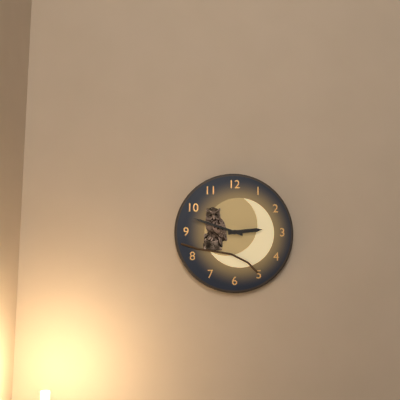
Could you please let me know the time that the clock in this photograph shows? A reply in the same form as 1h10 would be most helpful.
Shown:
2h48
